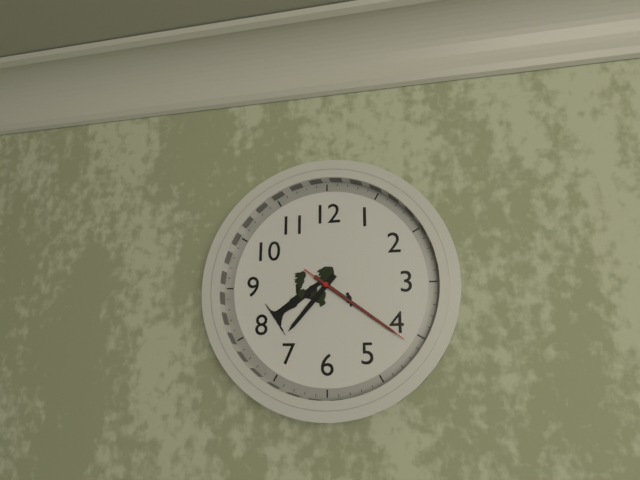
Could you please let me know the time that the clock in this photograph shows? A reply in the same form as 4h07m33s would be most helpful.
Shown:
7h21m21s
